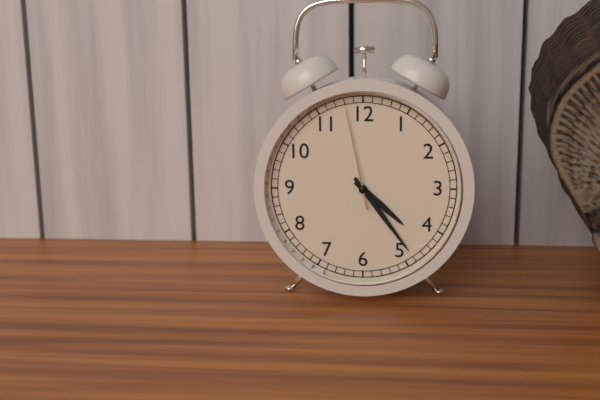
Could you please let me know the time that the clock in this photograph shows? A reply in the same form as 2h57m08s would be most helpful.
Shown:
4h24m58s
